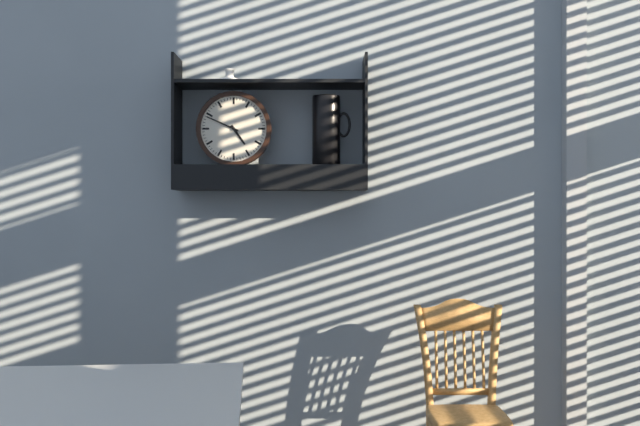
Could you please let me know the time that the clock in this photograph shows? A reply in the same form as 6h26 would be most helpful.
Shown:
4h49
